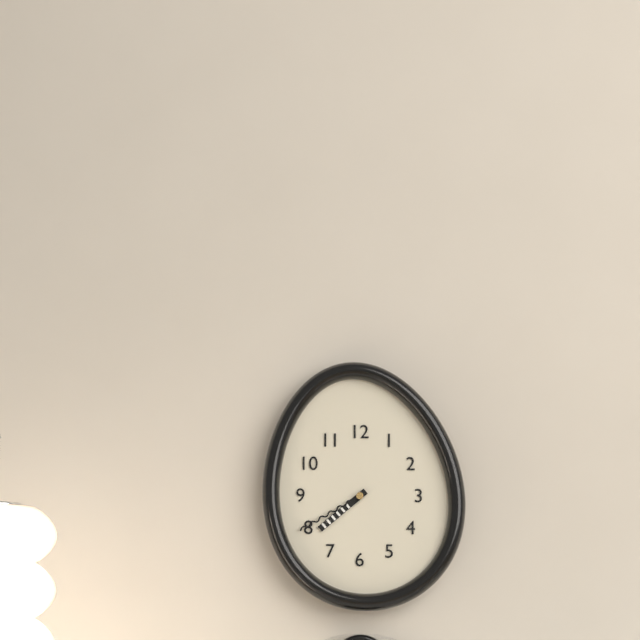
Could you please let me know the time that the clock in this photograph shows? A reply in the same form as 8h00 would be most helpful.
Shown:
7h40
